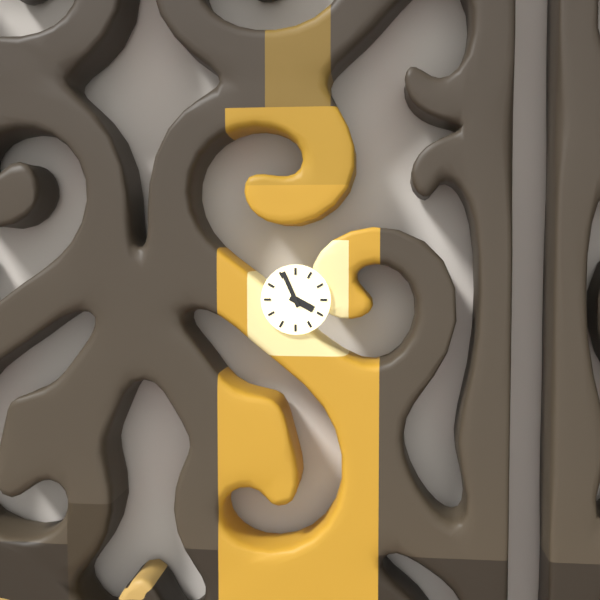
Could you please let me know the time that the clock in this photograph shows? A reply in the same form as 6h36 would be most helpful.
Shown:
3h56
